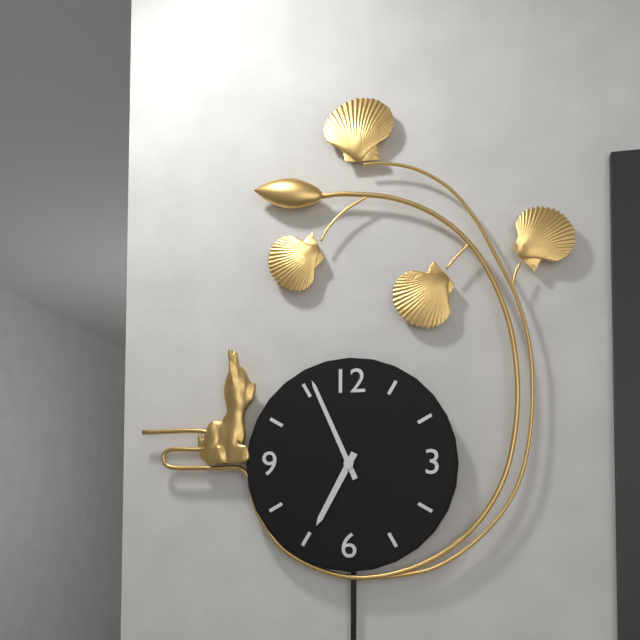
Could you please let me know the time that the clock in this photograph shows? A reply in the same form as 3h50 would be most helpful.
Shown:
6h56
